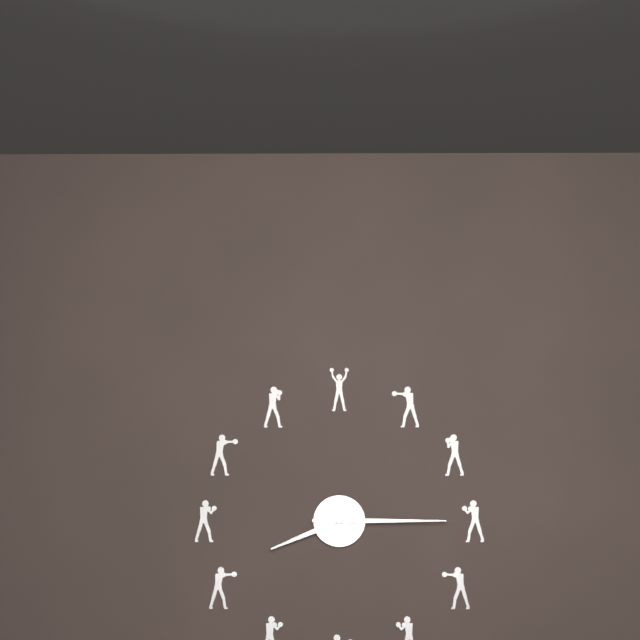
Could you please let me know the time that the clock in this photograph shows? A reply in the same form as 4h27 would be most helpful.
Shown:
8h15
